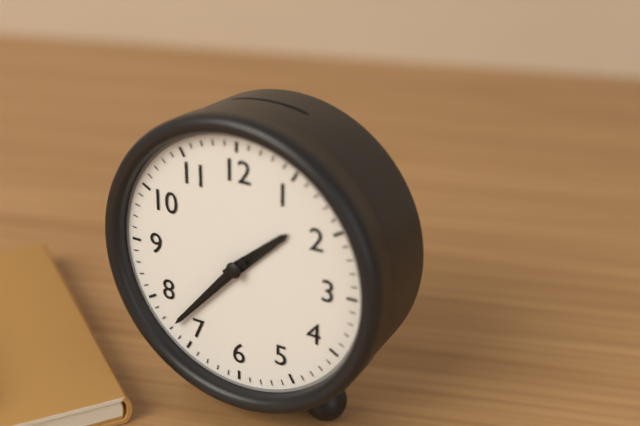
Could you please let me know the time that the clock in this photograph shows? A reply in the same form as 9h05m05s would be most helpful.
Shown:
1h37m37s
